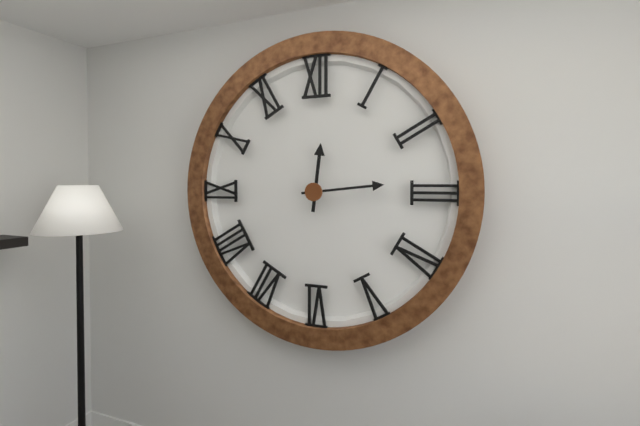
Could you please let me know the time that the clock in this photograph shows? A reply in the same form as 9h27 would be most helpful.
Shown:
12h14
